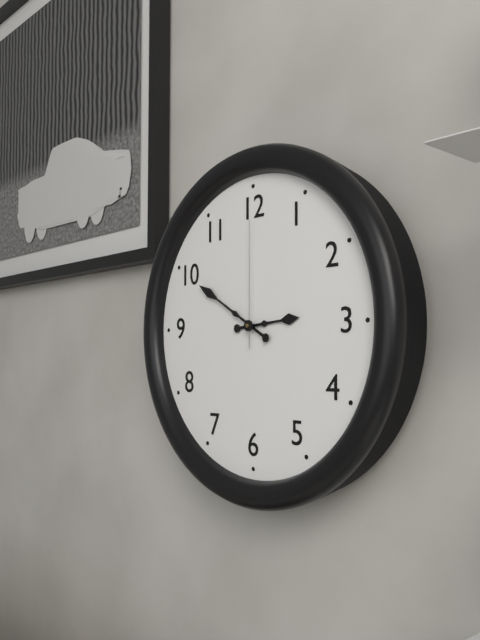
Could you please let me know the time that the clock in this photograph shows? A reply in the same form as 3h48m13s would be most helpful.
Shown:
2h50m00s
